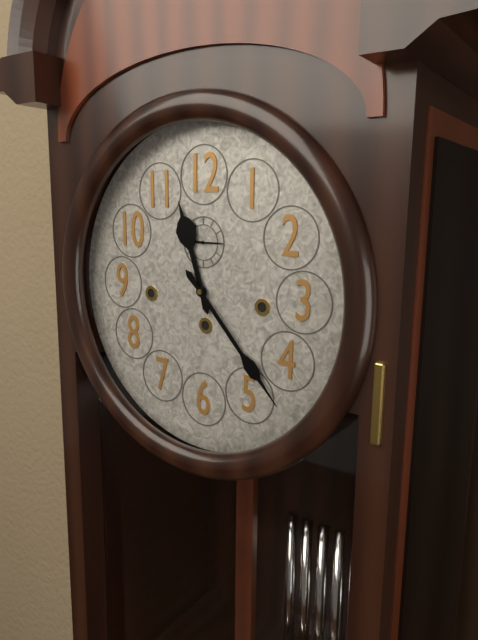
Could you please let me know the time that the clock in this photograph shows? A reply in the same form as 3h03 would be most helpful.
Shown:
11h23
